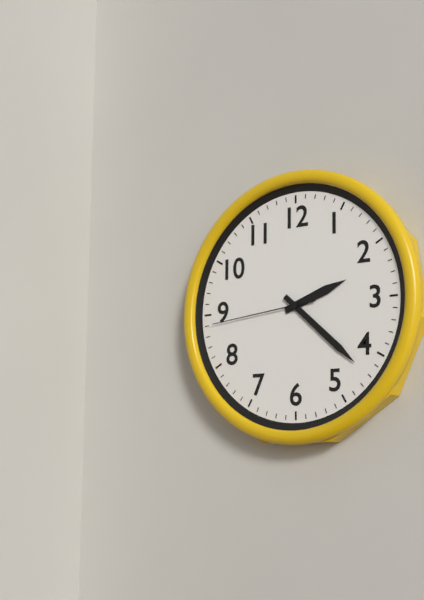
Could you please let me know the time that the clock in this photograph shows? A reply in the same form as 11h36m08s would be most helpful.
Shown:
2h22m44s
